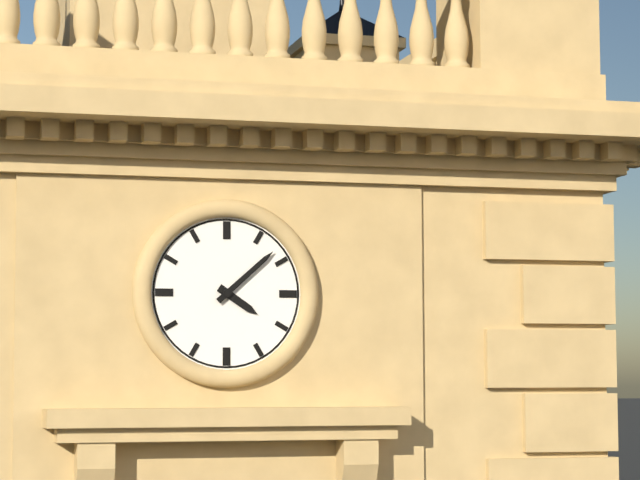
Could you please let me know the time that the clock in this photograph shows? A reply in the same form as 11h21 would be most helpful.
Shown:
4h08
